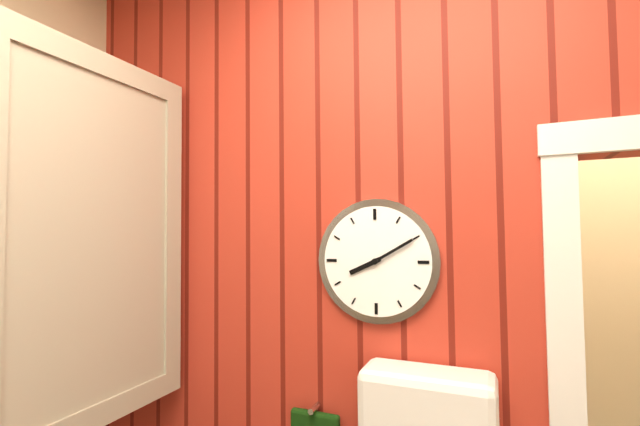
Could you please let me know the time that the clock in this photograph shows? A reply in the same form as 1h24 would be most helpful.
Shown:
8h10
